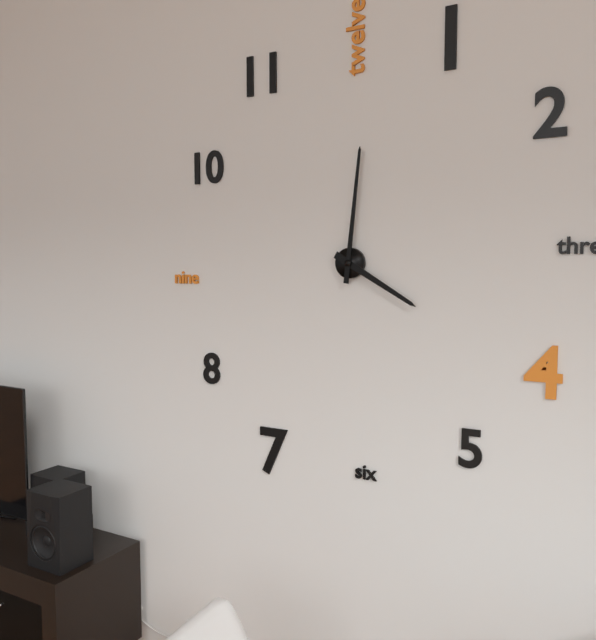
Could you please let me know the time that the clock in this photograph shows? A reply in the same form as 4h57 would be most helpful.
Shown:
4h01
